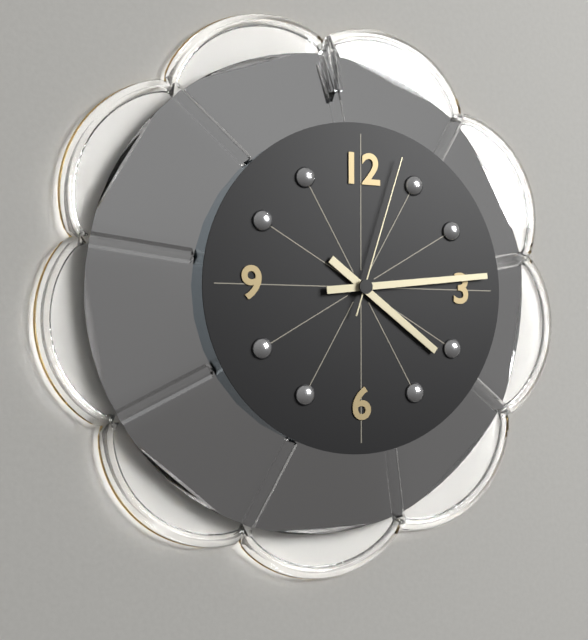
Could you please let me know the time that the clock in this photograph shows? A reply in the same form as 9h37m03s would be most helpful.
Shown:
4h14m03s
